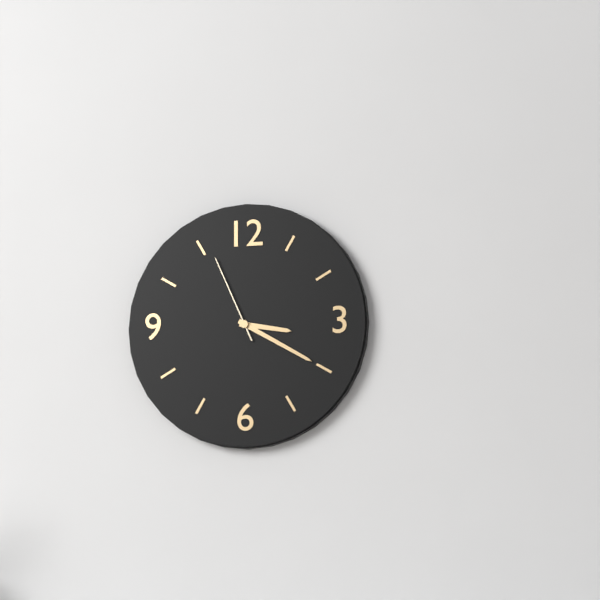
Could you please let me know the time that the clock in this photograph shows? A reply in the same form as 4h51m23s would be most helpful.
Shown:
3h20m56s
